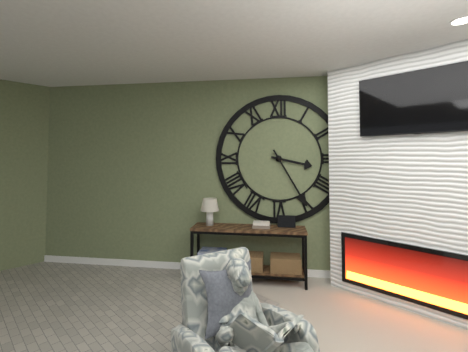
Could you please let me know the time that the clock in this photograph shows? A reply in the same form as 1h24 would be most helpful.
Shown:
3h25
